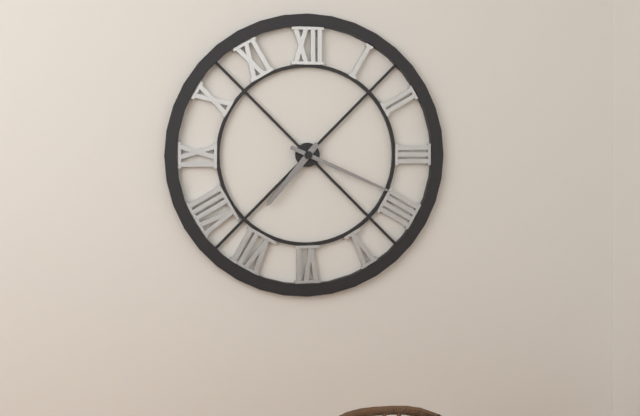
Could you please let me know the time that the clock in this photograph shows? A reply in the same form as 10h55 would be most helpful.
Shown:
7h19
